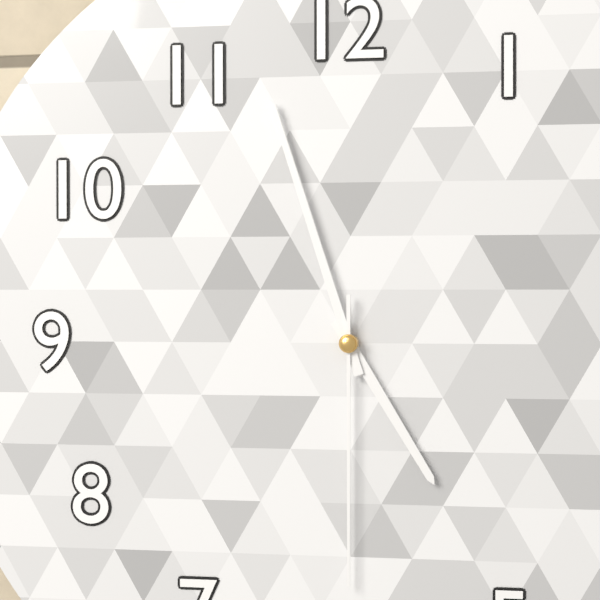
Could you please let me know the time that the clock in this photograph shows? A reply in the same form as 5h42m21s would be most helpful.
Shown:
4h57m30s
